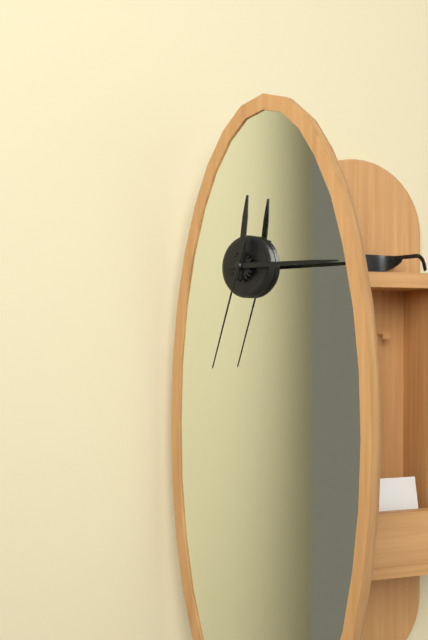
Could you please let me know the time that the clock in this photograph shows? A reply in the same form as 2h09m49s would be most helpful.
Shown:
12h15m33s
